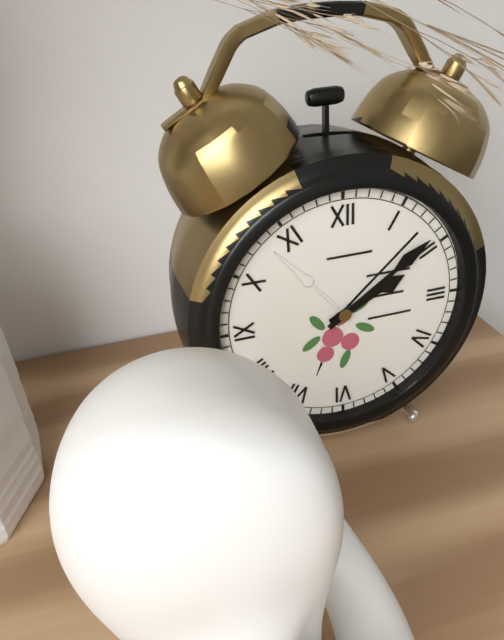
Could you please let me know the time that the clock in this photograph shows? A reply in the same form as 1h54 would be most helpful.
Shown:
2h09
